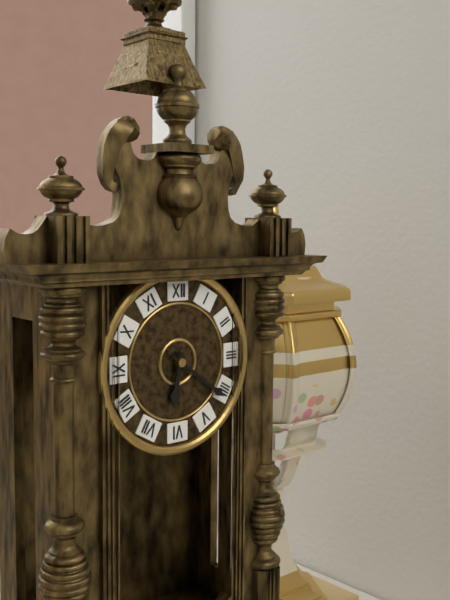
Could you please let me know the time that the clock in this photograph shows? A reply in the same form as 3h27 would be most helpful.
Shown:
6h21
